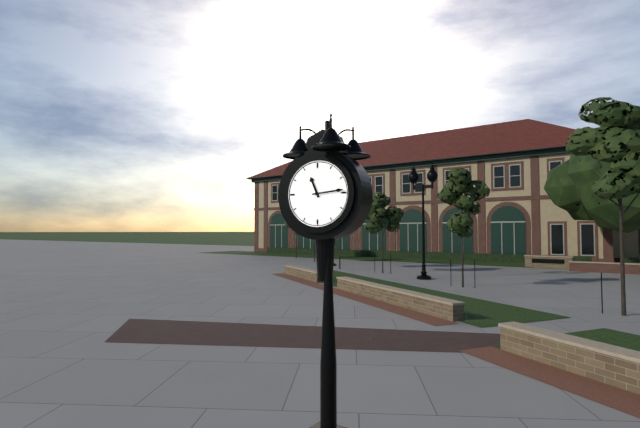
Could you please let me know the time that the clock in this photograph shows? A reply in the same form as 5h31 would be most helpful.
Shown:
11h14
